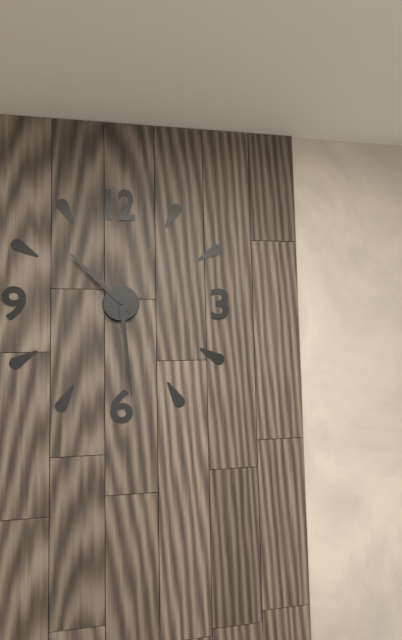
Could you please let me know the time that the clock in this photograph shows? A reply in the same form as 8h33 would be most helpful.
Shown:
10h29
